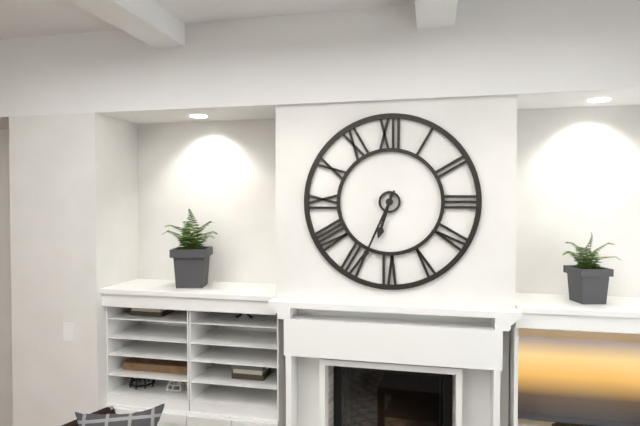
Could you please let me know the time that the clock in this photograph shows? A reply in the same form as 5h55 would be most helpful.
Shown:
6h34
